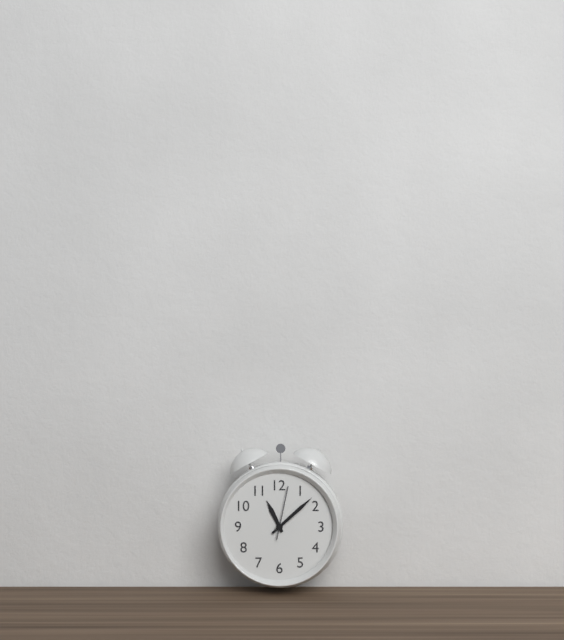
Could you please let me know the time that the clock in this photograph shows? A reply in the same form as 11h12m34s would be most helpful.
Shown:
11h08m02s
